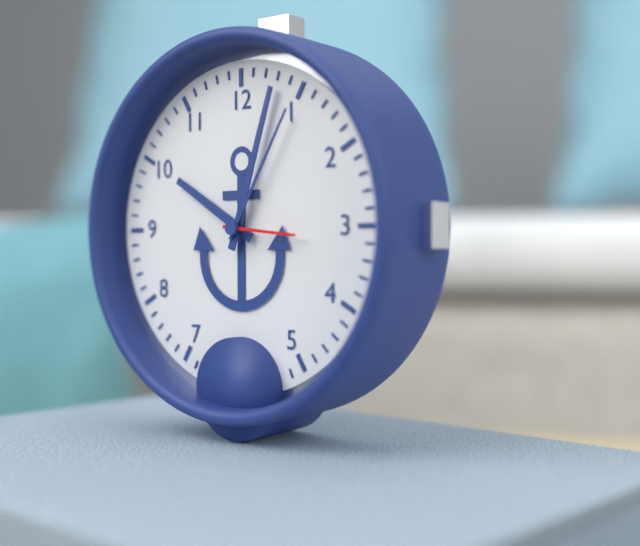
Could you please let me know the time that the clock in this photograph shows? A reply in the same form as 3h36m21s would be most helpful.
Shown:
10h03m16s
